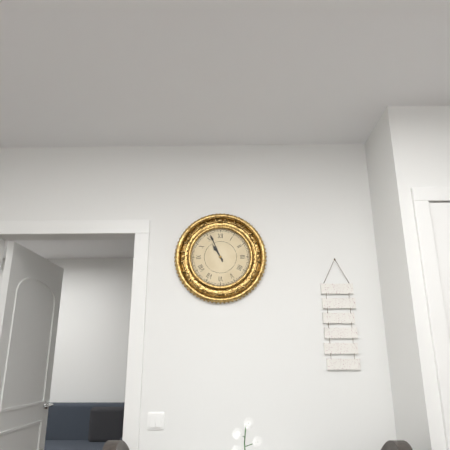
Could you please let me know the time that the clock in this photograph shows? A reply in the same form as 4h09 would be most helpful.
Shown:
10h56
